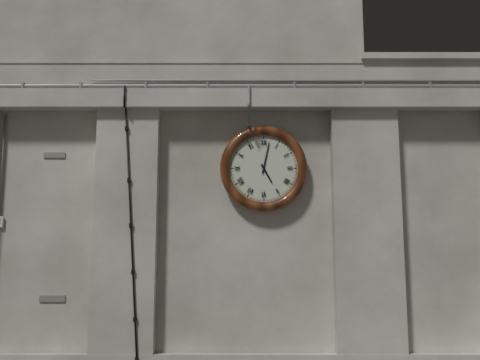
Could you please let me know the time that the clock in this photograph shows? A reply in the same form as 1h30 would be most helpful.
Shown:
5h02
